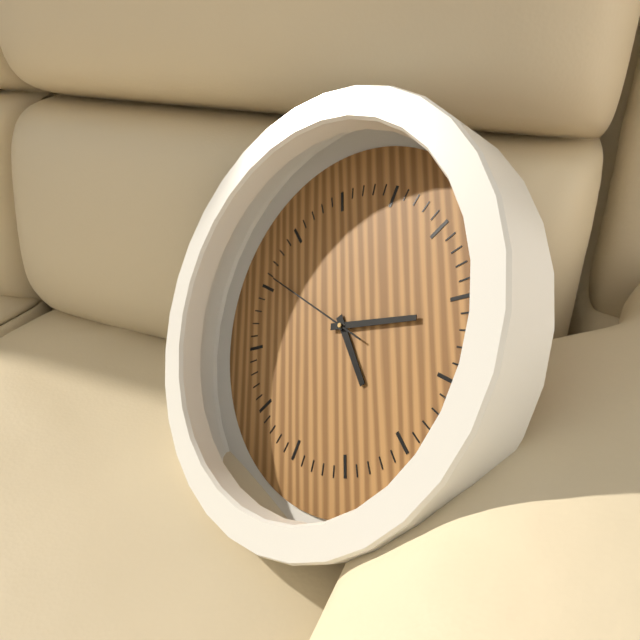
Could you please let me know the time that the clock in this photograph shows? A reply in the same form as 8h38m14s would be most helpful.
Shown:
5h16m51s
